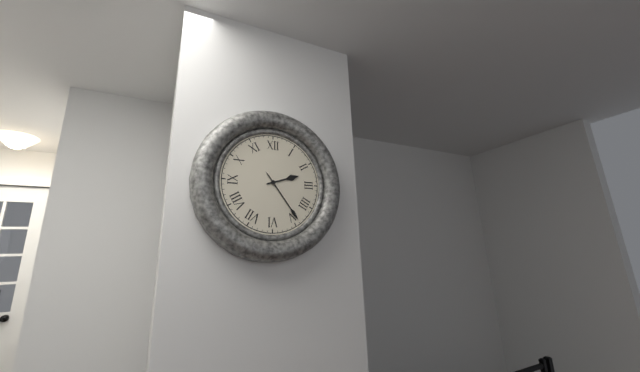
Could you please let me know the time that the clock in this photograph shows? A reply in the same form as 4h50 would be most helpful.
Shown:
2h24
